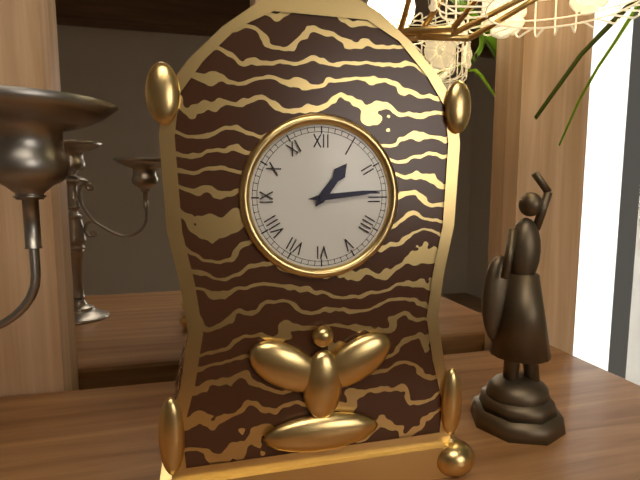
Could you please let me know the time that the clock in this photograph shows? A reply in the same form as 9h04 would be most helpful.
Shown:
1h14
